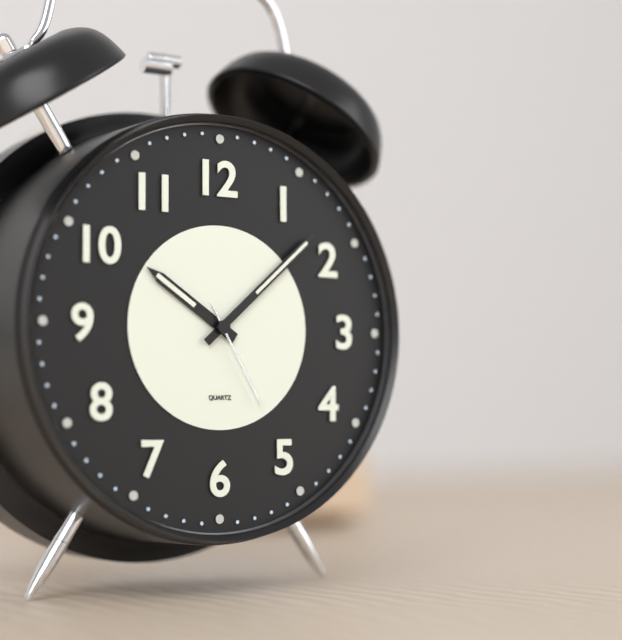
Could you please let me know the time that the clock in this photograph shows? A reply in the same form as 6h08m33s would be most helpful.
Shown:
10h08m25s
